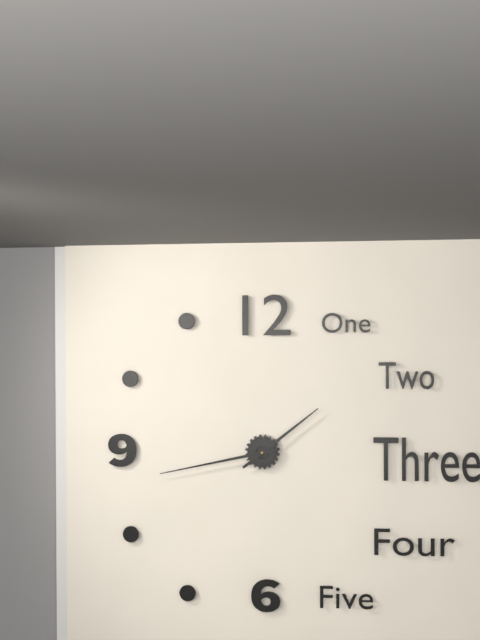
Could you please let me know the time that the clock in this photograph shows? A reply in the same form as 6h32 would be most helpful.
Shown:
1h43
